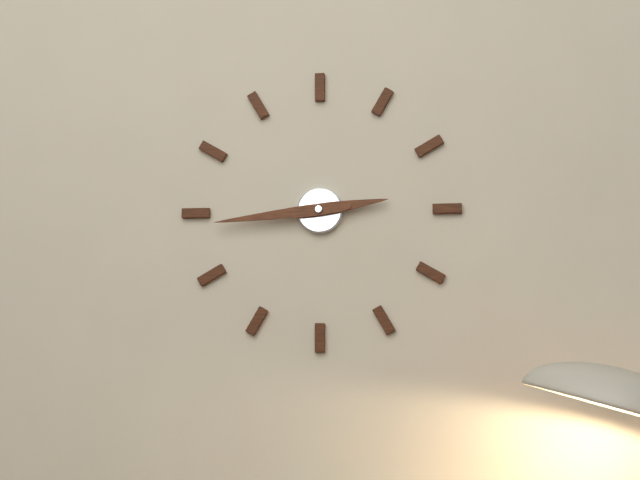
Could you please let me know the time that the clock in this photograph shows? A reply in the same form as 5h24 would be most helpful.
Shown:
2h44
